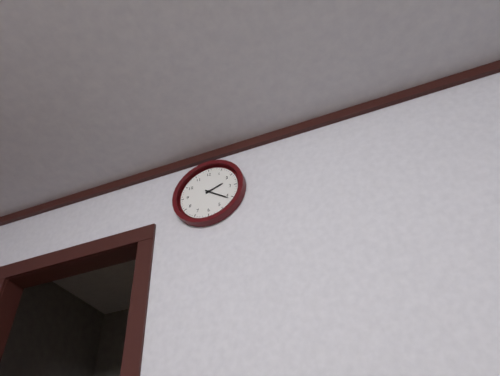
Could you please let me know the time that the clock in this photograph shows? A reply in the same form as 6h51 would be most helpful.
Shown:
2h21
